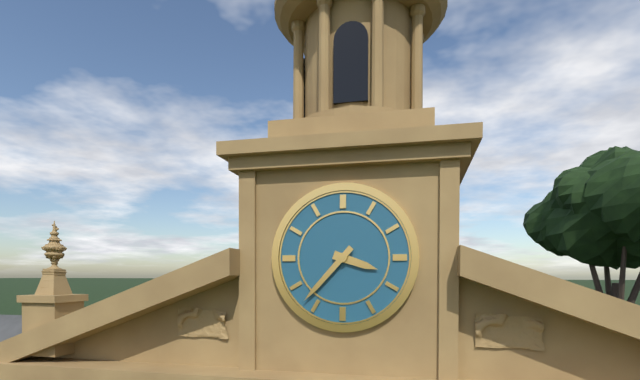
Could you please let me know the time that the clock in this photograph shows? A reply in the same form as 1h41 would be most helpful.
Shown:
3h37
